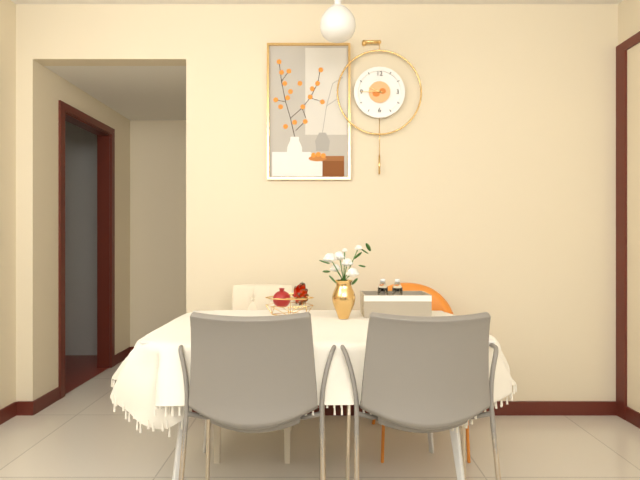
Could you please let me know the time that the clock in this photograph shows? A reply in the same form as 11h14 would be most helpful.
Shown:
9h45
